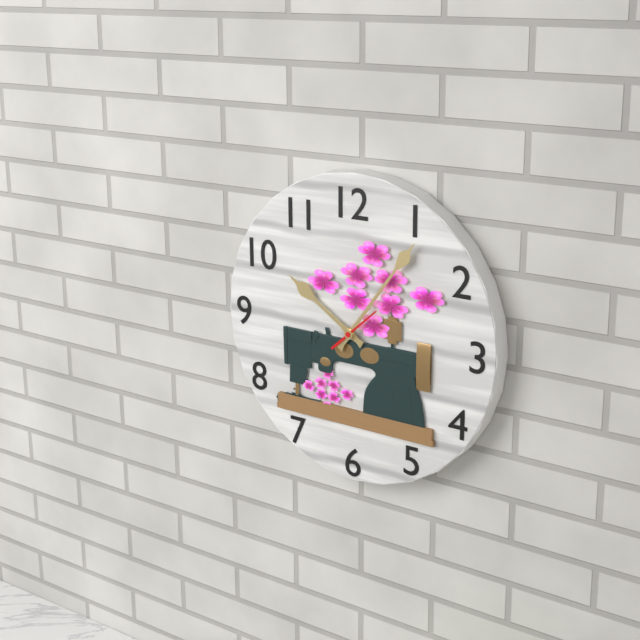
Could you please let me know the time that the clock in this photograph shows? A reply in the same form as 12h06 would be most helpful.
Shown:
10h06
